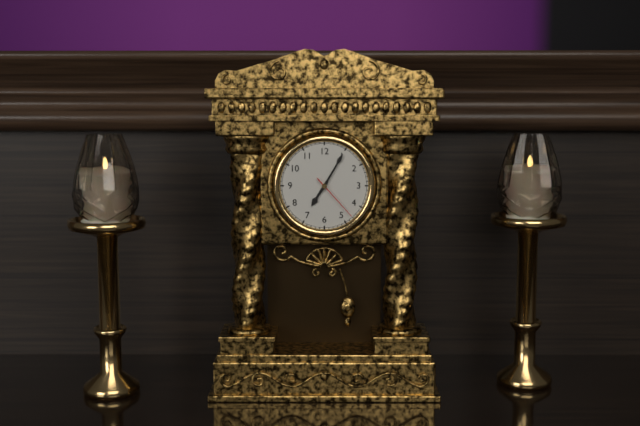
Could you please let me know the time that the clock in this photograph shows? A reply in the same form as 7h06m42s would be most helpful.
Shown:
7h05m23s
